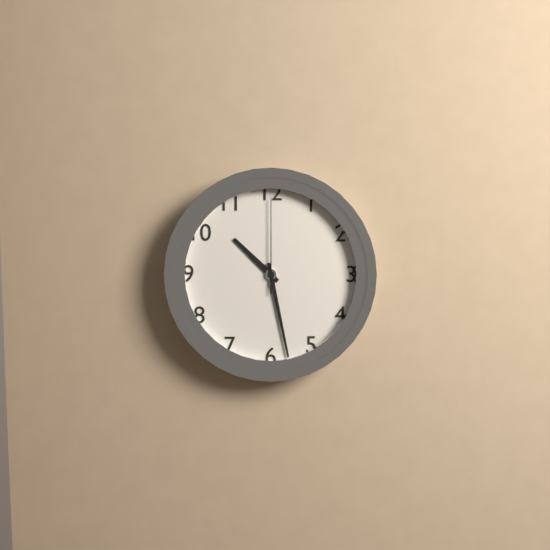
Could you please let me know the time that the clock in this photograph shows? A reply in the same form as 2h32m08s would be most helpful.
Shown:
10h28m00s
